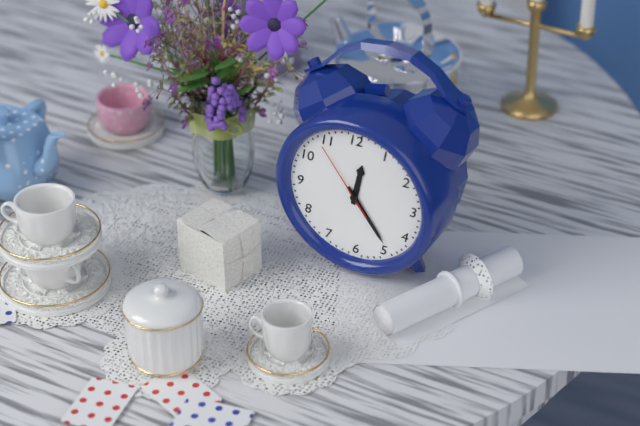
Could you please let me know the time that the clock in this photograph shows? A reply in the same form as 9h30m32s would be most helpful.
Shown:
12h24m54s
